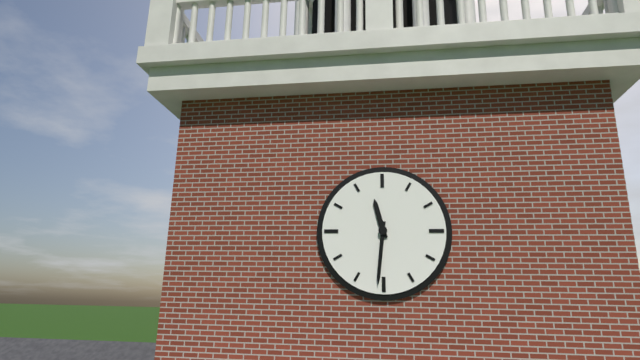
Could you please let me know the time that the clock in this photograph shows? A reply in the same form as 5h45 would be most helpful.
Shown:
11h31
